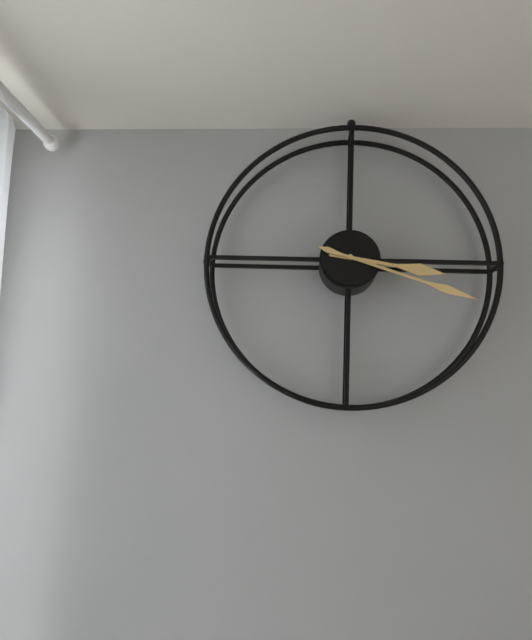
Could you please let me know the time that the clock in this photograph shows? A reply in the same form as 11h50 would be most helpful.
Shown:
3h18
